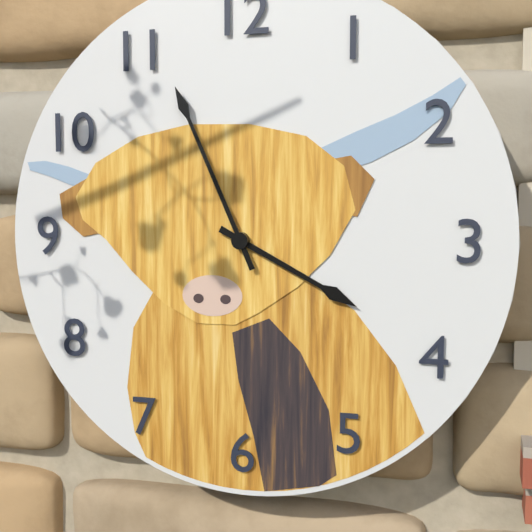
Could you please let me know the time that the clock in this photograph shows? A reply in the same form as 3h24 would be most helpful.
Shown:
3h56
